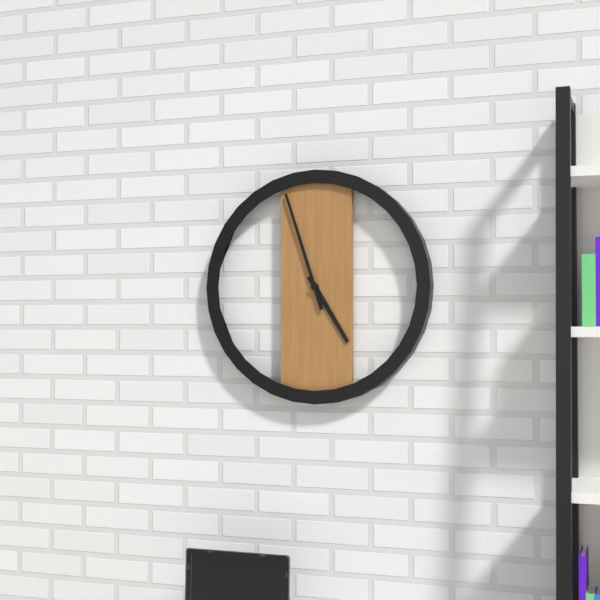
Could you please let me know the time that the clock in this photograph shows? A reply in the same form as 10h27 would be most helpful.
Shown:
4h57
